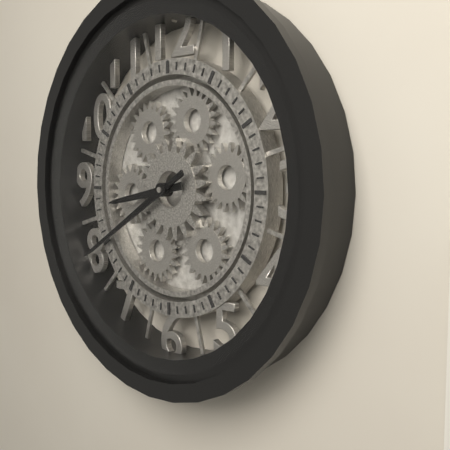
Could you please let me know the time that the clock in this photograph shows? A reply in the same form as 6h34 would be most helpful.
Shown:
8h40
